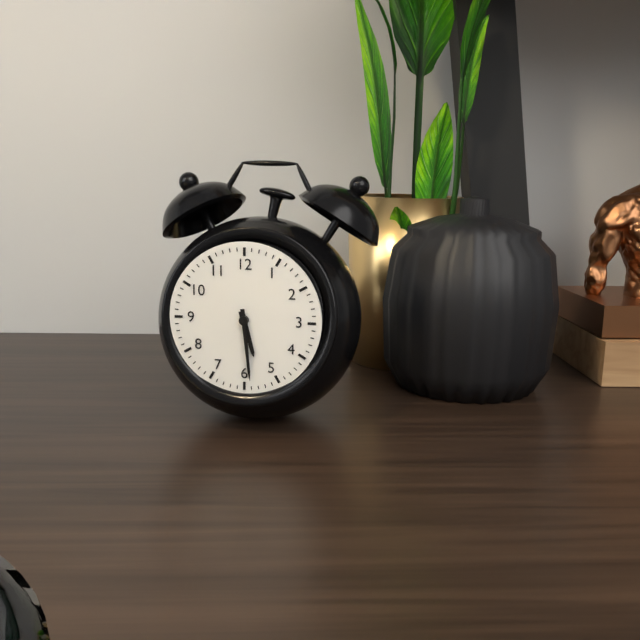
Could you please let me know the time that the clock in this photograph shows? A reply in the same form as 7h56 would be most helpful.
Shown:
5h29
